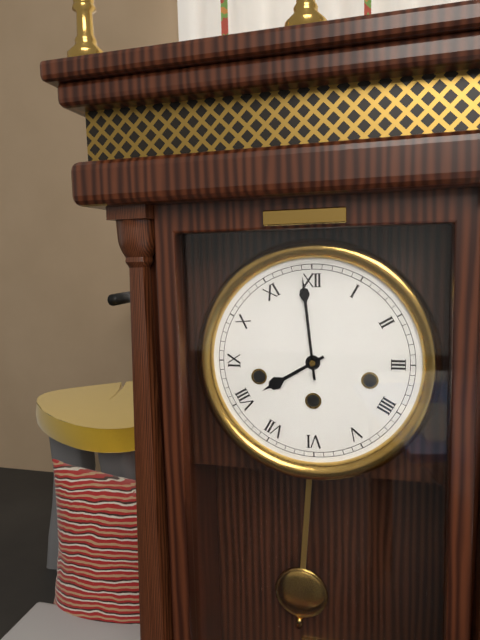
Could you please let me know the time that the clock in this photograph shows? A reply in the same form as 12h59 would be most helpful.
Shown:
7h59
